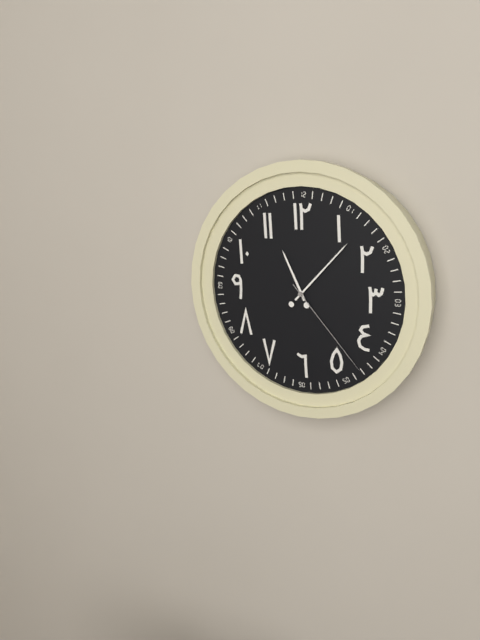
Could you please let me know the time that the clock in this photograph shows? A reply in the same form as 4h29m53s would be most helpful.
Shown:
11h07m23s
